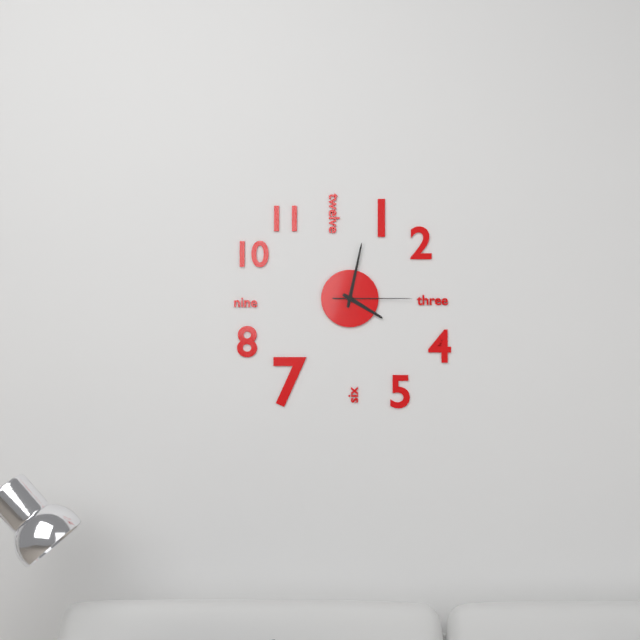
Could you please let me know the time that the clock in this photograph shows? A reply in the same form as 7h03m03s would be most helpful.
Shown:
4h02m15s
